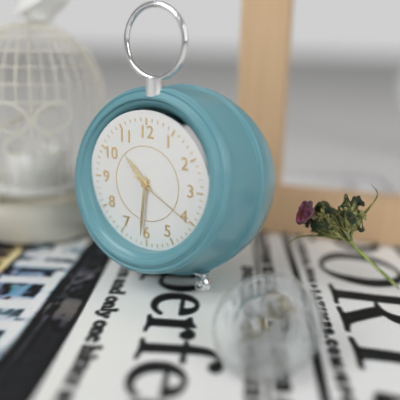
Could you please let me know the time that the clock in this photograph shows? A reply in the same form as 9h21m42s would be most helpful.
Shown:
10h31m20s
